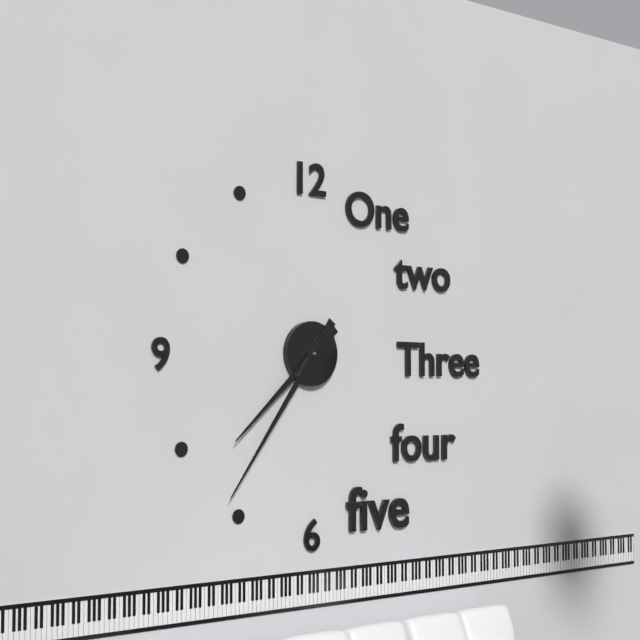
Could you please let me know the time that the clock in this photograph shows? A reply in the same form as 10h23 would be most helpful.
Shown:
7h36
